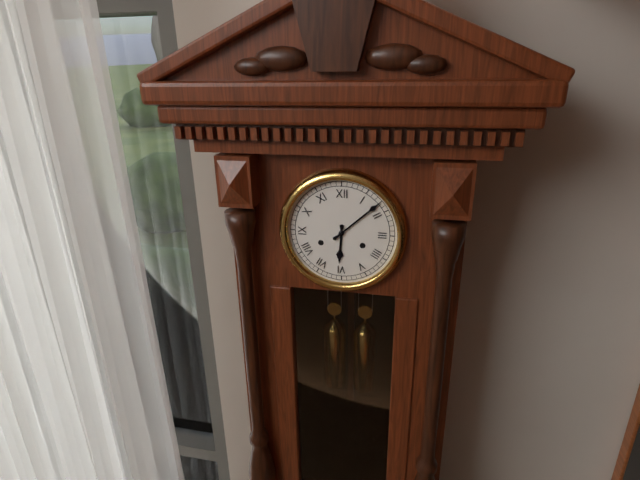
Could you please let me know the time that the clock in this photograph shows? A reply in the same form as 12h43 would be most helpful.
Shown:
6h08
